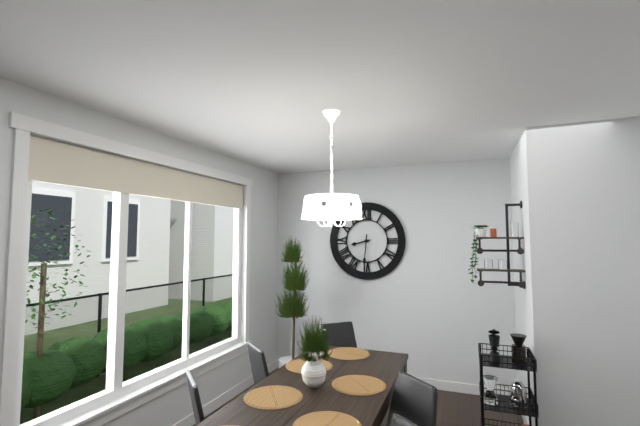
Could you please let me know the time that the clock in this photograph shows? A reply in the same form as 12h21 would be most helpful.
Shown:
8h31
